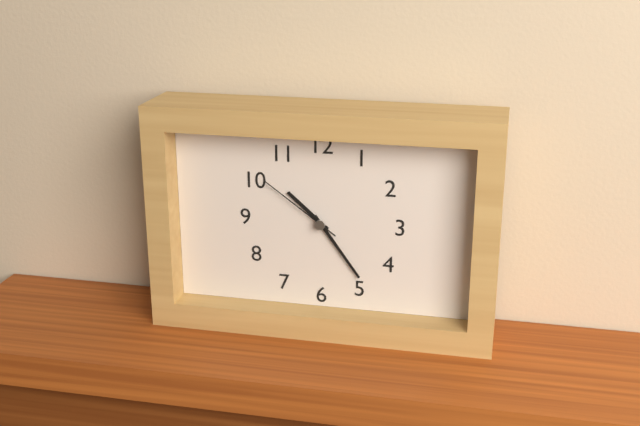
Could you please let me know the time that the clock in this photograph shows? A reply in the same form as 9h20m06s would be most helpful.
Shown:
10h24m51s
